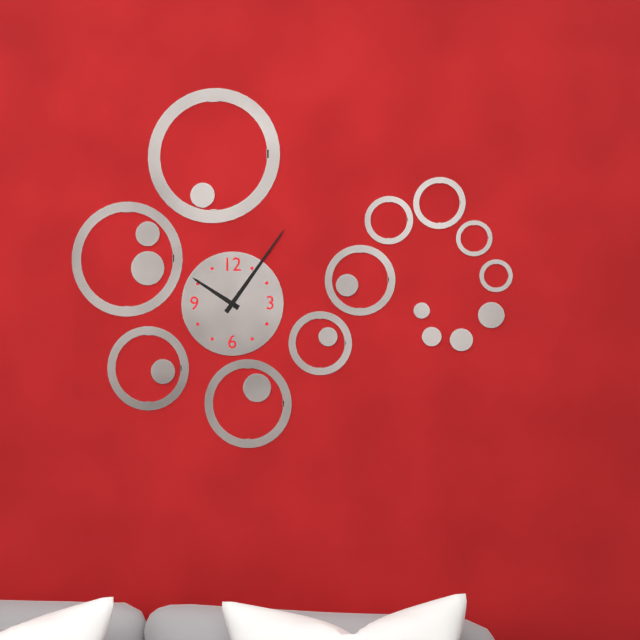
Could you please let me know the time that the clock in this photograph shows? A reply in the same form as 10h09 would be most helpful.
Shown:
10h06
